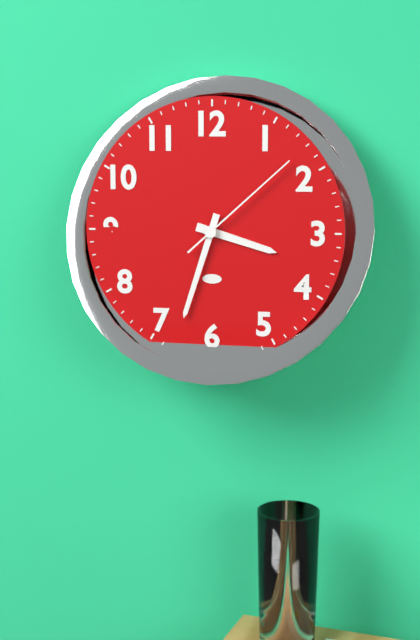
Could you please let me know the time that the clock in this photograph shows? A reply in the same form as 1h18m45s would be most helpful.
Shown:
3h33m08s
